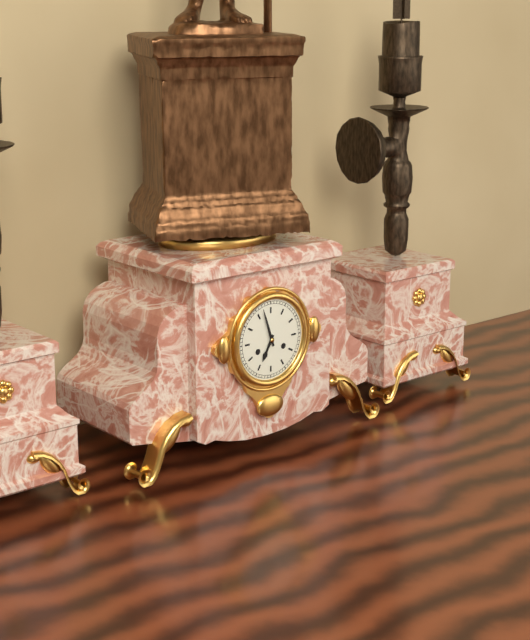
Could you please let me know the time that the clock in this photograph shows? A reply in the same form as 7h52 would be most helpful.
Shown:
6h57
